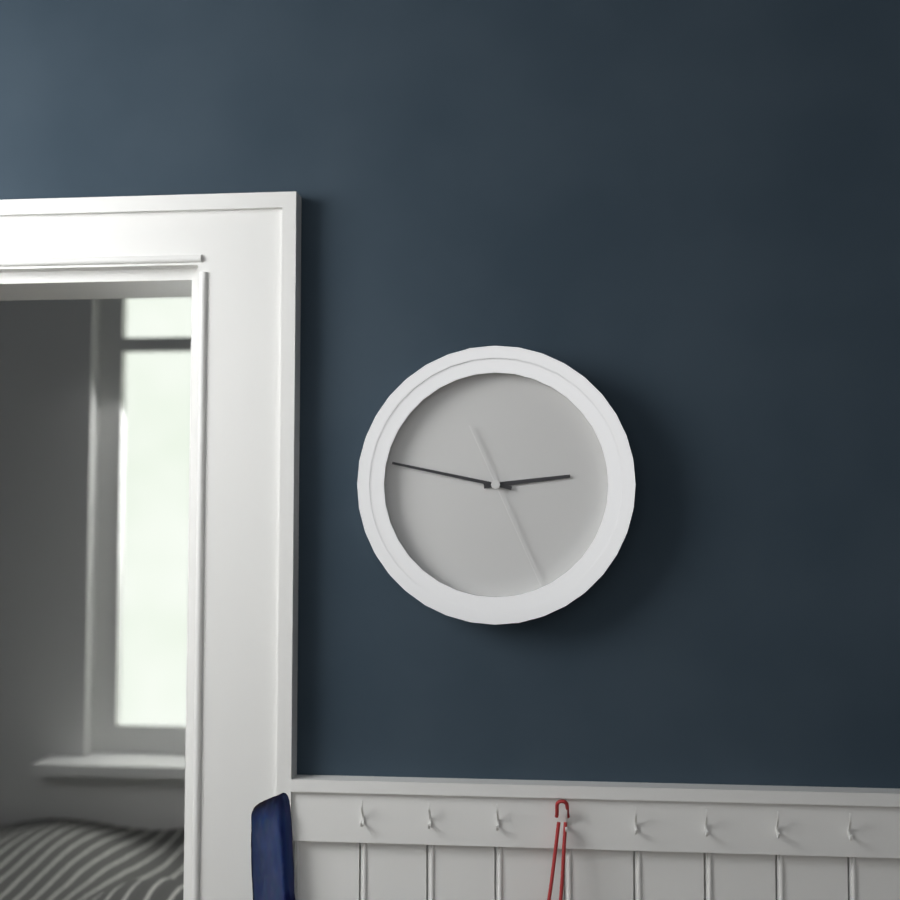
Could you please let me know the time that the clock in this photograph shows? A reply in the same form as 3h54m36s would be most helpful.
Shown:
2h47m26s
